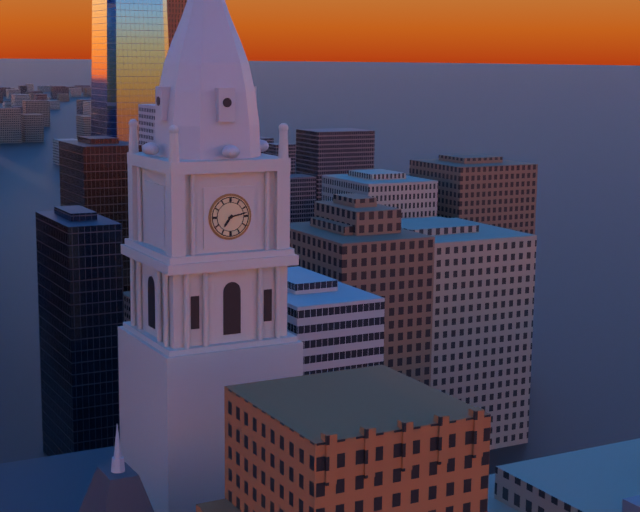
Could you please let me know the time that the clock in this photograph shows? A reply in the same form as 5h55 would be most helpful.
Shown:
7h13
